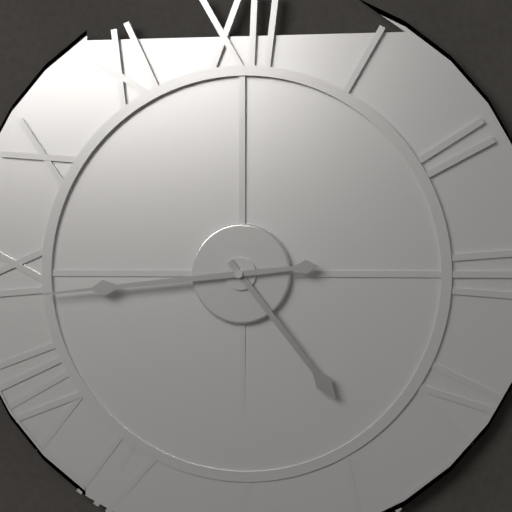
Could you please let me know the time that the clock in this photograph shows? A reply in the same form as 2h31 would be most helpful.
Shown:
4h44
